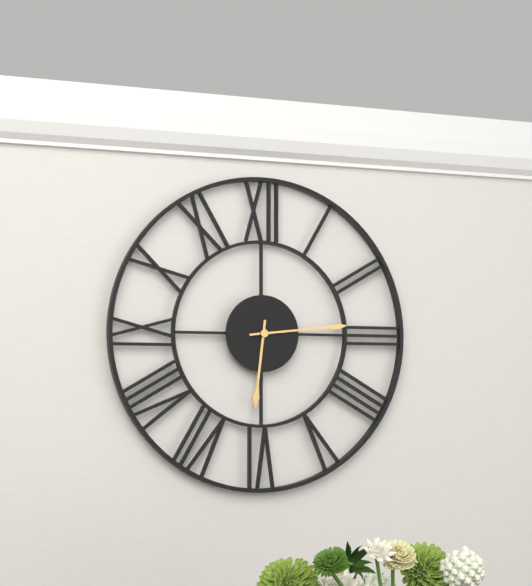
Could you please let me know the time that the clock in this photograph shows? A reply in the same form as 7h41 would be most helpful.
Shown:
6h14
